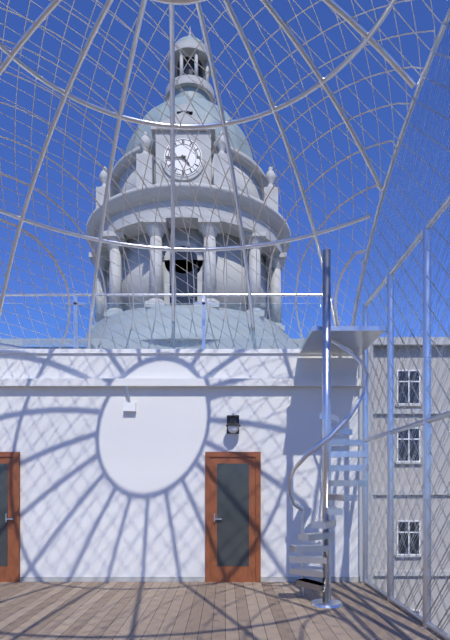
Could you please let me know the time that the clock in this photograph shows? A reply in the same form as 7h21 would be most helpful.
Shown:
4h44
